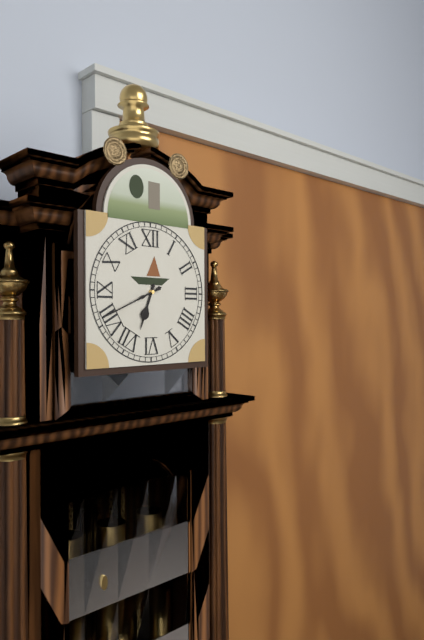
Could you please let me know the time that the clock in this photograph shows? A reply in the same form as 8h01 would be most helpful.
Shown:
6h41
